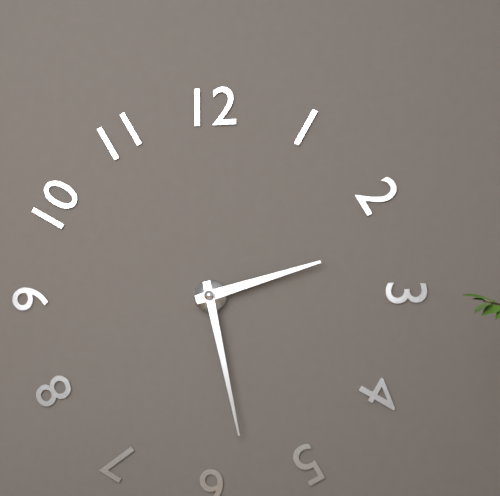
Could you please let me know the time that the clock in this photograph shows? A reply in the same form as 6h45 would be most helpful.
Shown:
2h28
